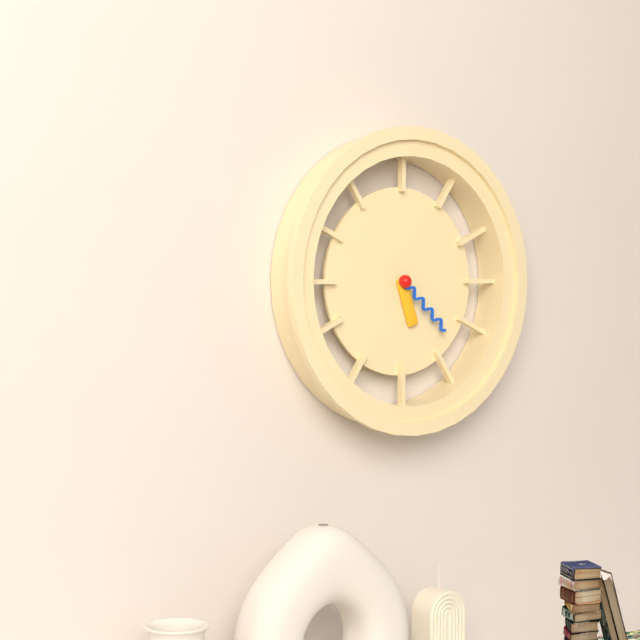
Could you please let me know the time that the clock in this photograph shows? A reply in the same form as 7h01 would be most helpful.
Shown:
5h22
